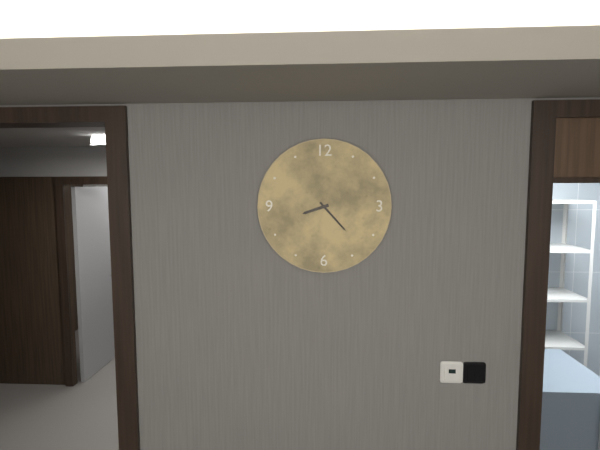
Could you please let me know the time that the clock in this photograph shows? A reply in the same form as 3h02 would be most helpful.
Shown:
8h23
